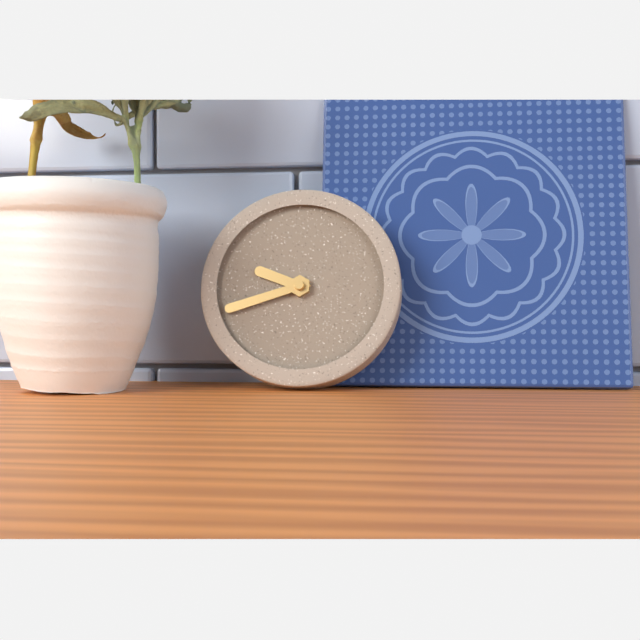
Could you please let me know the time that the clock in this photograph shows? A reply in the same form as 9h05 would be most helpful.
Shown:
9h42
